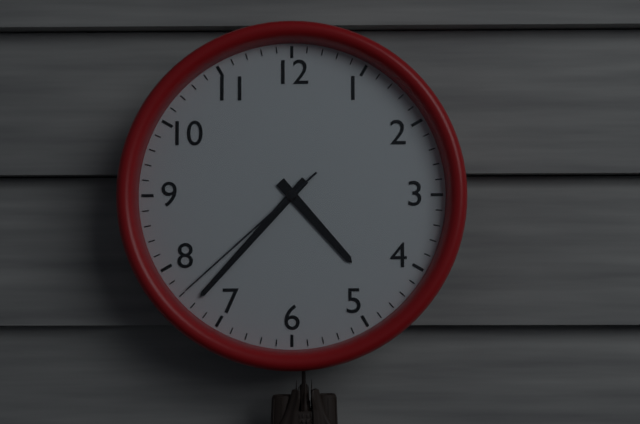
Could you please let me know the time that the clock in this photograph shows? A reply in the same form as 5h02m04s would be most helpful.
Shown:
4h37m38s
